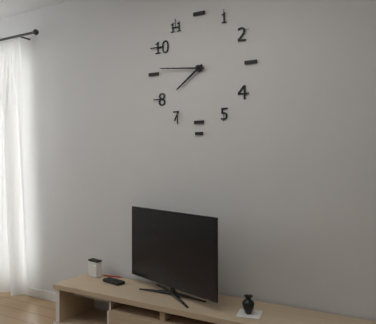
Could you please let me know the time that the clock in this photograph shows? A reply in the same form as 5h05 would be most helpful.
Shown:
7h46
